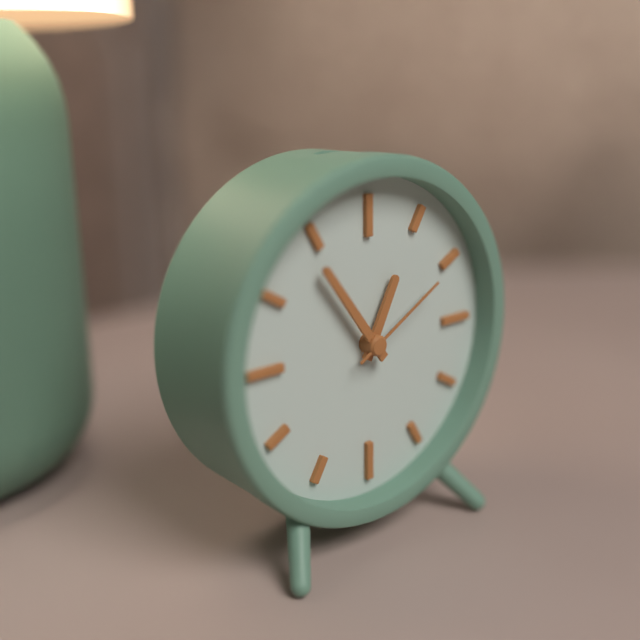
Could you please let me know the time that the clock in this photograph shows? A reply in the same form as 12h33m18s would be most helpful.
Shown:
12h54m10s
